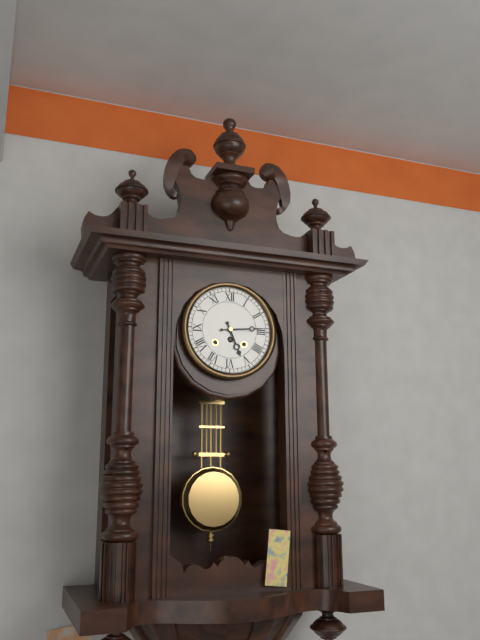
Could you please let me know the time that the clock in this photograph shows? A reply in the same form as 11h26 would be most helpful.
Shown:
5h14
